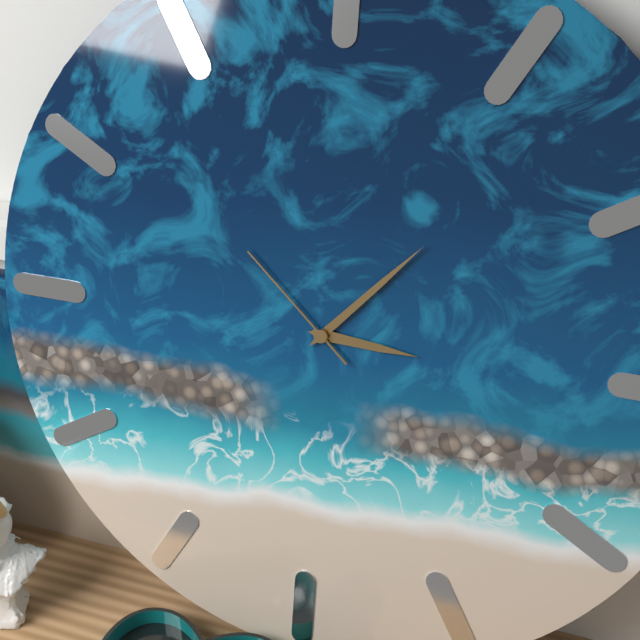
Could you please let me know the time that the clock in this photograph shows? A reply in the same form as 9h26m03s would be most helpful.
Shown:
3h07m52s
